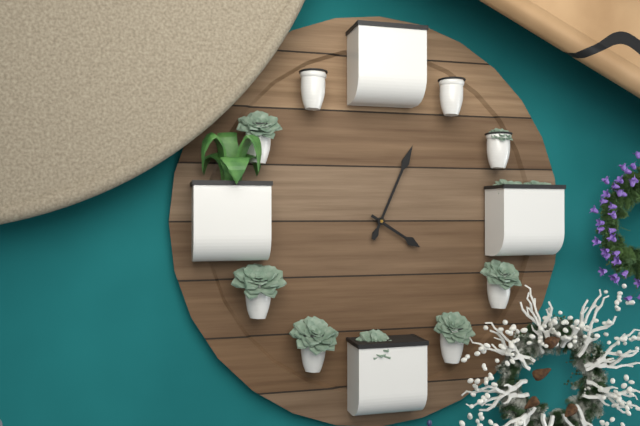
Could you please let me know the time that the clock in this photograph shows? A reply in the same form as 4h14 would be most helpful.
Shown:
4h04
